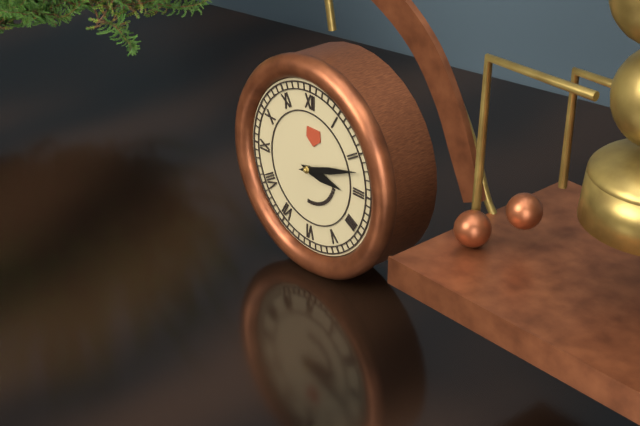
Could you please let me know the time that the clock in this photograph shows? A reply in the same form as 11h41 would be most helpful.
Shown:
3h12
